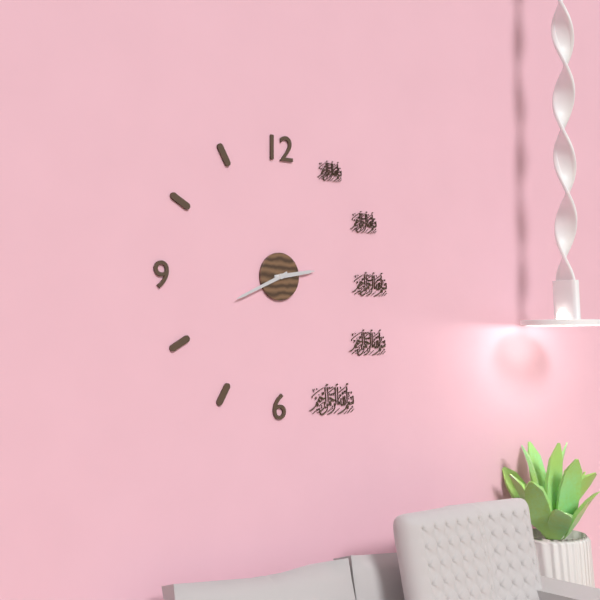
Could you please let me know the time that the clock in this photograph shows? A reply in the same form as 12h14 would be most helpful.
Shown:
2h41
